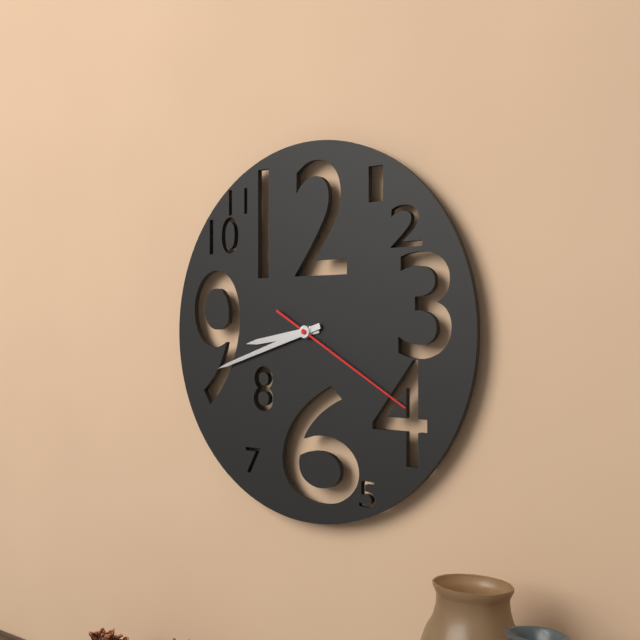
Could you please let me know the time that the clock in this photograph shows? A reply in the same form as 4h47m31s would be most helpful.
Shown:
8h42m20s
